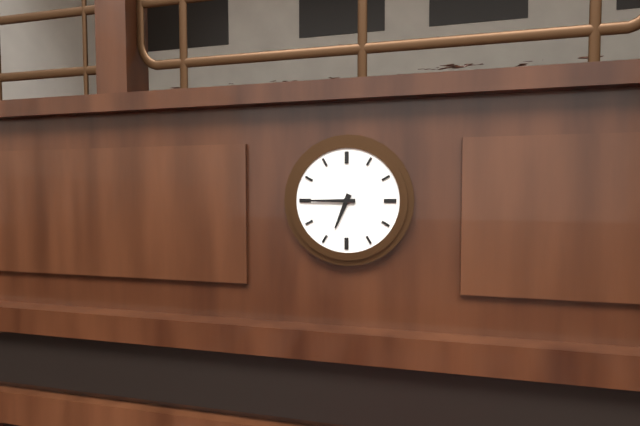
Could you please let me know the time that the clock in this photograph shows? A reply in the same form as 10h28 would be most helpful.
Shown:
6h45
